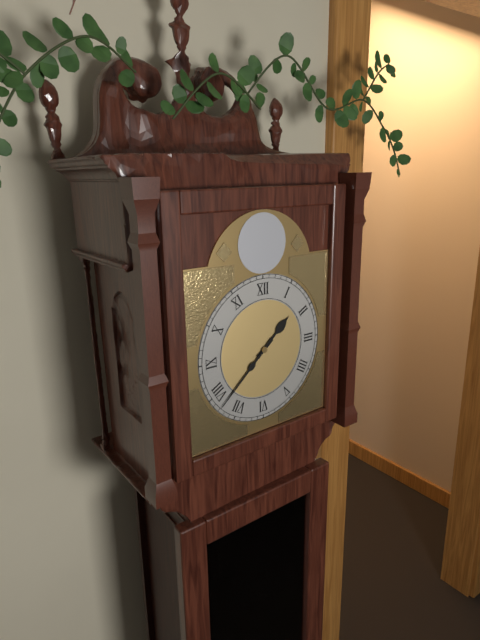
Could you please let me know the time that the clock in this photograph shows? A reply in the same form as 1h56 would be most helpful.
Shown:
1h38
